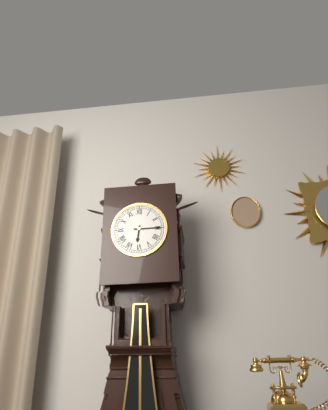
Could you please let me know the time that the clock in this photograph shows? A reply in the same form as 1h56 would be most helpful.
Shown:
6h15
